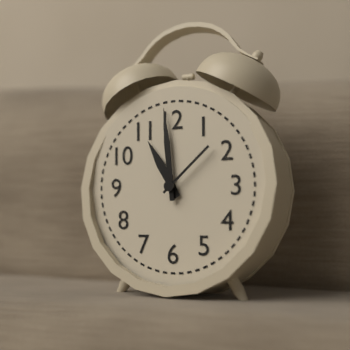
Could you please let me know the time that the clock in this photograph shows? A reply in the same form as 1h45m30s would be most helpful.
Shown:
10h59m08s
